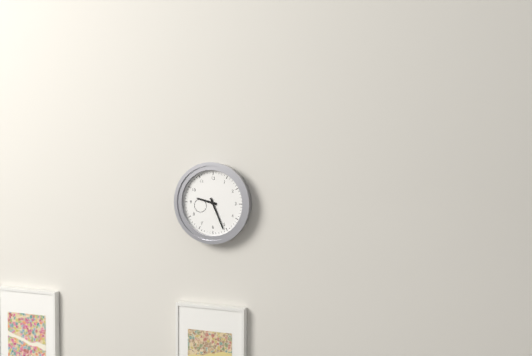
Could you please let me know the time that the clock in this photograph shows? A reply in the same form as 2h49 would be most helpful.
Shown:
9h26
